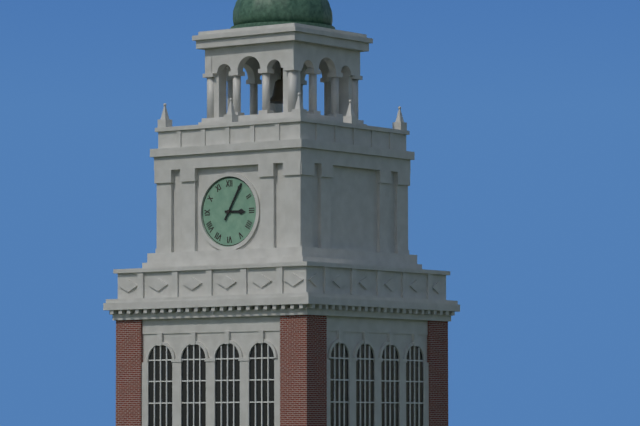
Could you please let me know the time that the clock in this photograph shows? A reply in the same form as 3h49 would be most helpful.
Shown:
3h05
